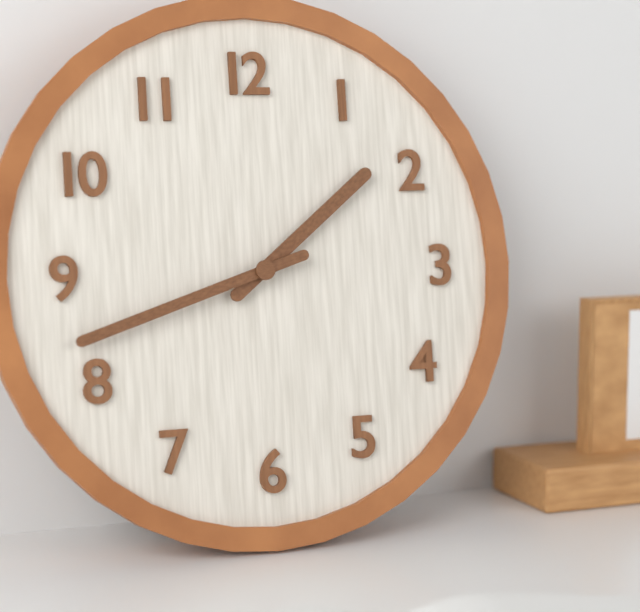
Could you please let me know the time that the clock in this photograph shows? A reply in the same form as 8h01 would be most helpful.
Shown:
1h42
